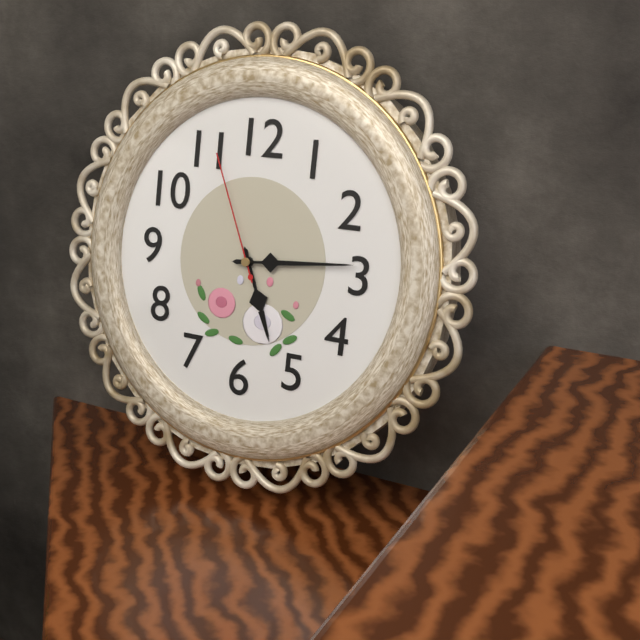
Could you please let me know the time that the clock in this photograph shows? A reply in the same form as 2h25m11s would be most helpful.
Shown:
5h14m56s
